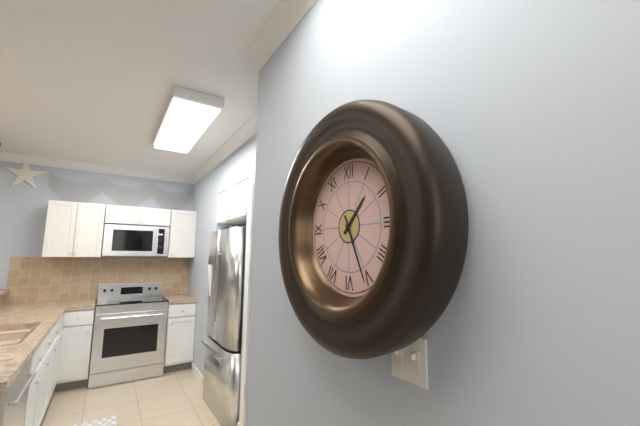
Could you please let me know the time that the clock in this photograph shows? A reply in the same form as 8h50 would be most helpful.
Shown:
1h26
